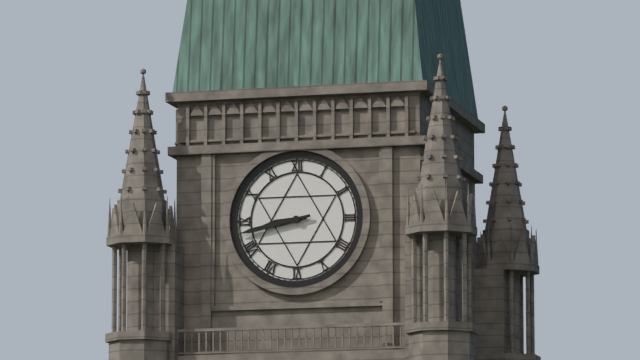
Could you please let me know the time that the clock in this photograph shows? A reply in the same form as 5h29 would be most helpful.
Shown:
8h43
